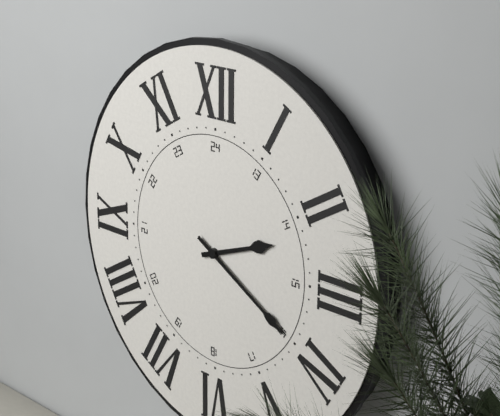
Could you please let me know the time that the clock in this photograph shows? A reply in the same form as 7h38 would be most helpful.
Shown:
2h20
